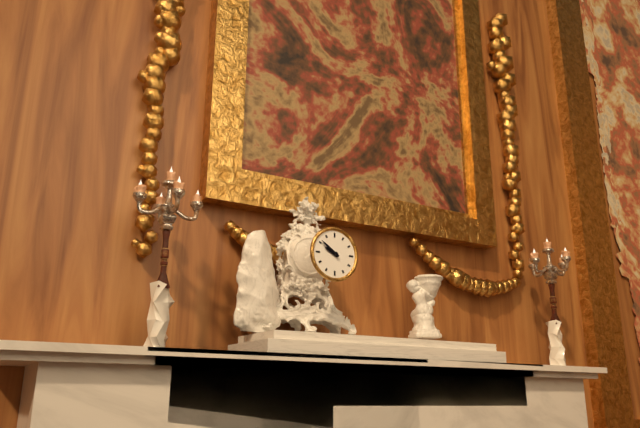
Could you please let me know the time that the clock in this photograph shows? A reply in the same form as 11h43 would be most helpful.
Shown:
9h51
